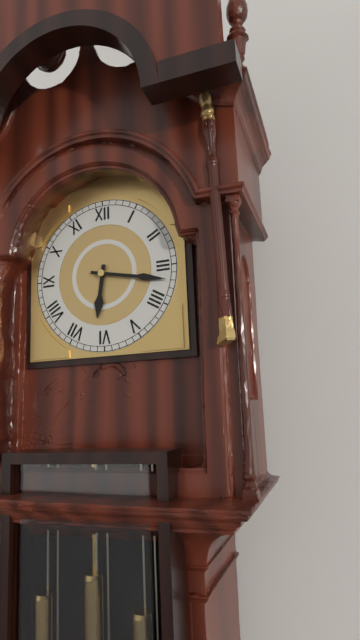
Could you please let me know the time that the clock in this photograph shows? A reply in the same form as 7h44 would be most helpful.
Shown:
6h17
